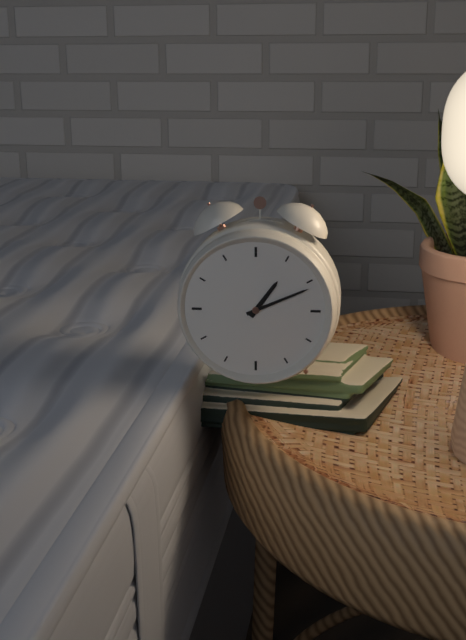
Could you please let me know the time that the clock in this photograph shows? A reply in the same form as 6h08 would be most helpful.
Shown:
1h11
